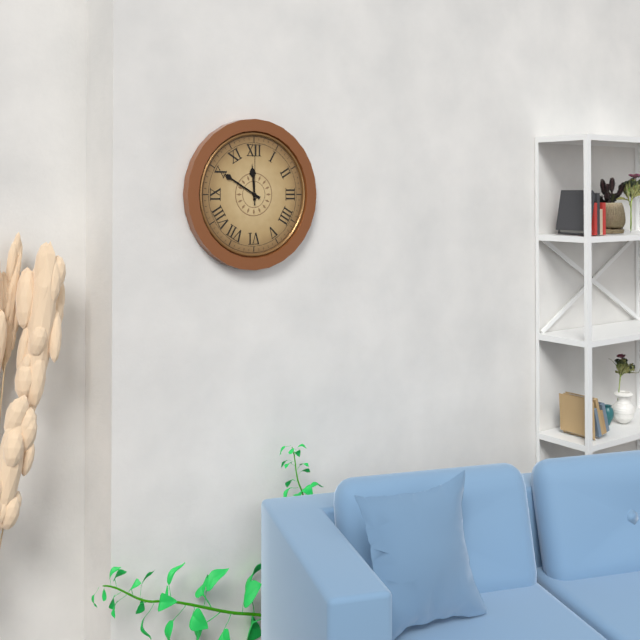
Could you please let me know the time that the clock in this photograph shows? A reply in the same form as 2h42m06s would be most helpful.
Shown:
11h50m00s
